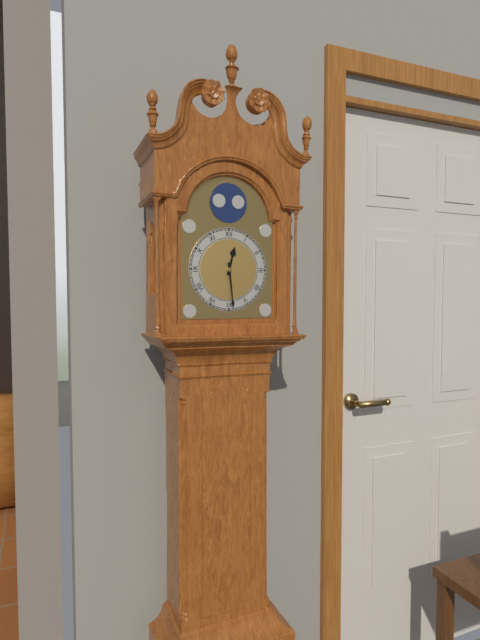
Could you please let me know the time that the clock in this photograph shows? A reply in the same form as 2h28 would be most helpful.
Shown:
12h29
